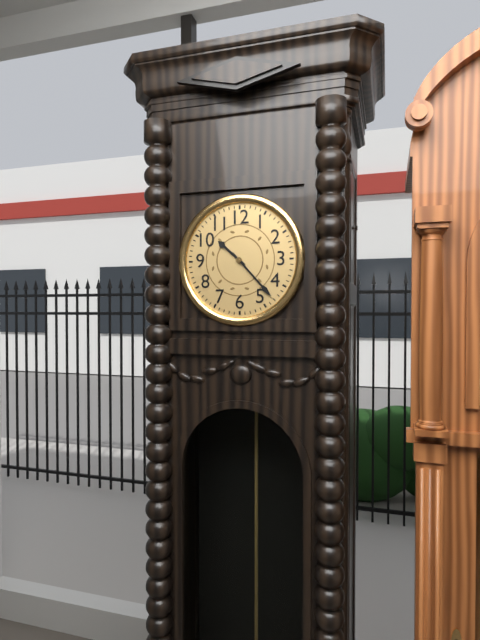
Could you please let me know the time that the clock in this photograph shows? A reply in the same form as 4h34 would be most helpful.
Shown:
10h23
